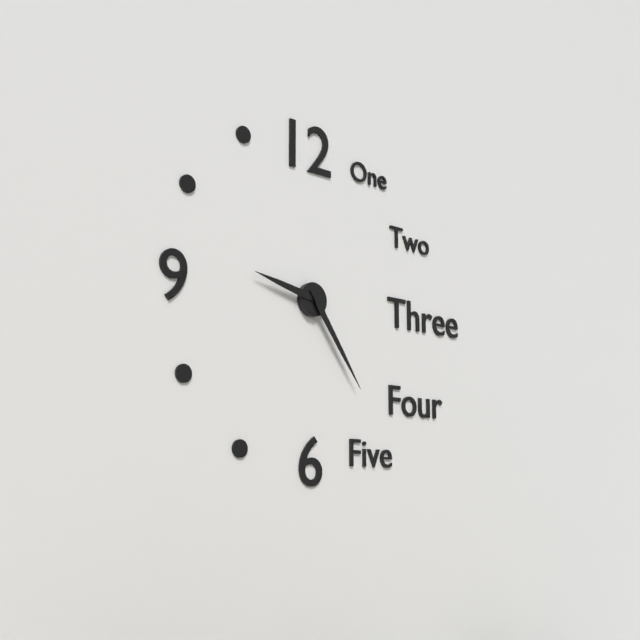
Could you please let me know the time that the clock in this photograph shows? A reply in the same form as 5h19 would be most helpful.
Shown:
9h24
